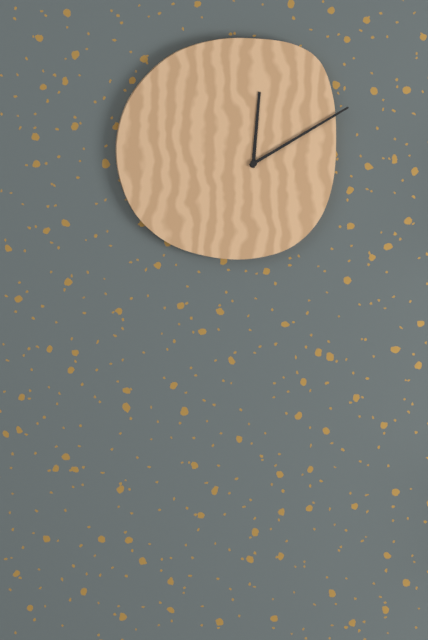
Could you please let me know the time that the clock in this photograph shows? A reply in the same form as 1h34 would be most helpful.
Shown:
12h10
